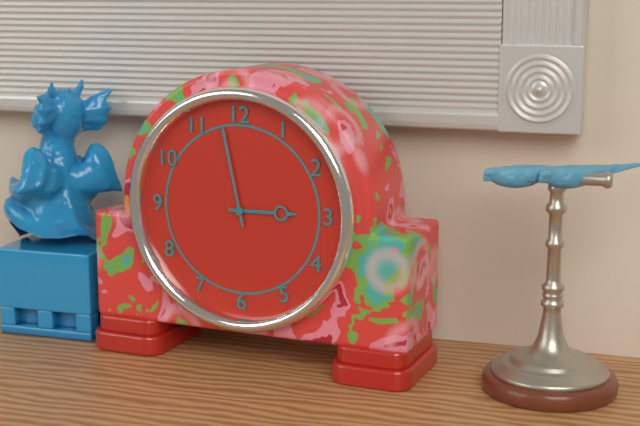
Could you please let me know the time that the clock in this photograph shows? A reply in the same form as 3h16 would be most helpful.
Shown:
2h58
